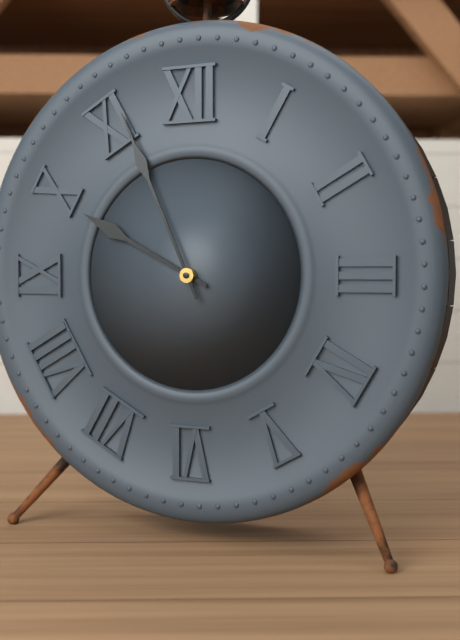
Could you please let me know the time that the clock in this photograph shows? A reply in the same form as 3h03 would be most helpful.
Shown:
9h56
